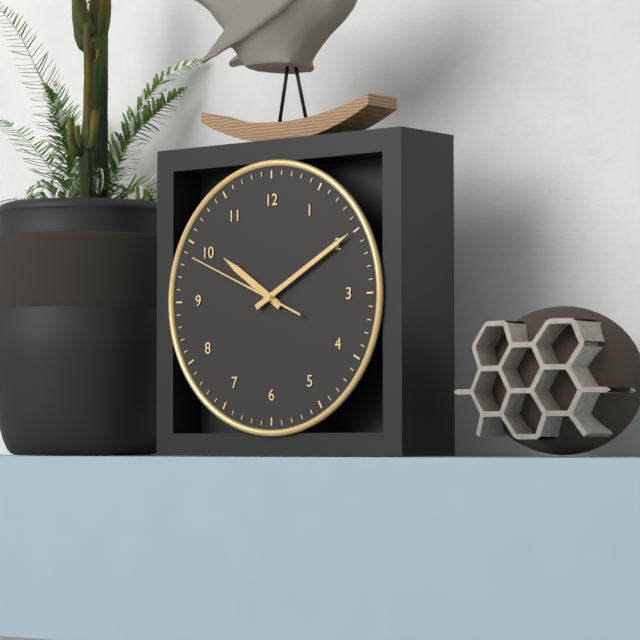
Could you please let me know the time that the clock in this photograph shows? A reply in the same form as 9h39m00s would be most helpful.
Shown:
10h10m49s
